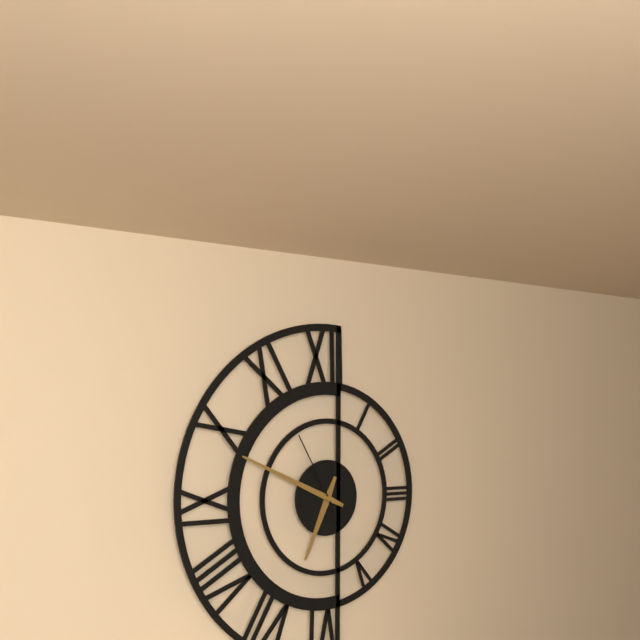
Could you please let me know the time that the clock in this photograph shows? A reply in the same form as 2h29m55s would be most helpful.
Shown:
6h49m55s
